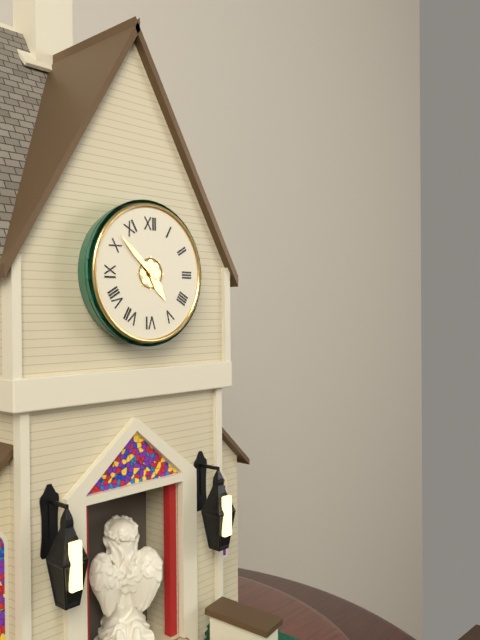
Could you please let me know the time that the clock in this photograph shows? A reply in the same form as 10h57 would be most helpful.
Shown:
4h52
